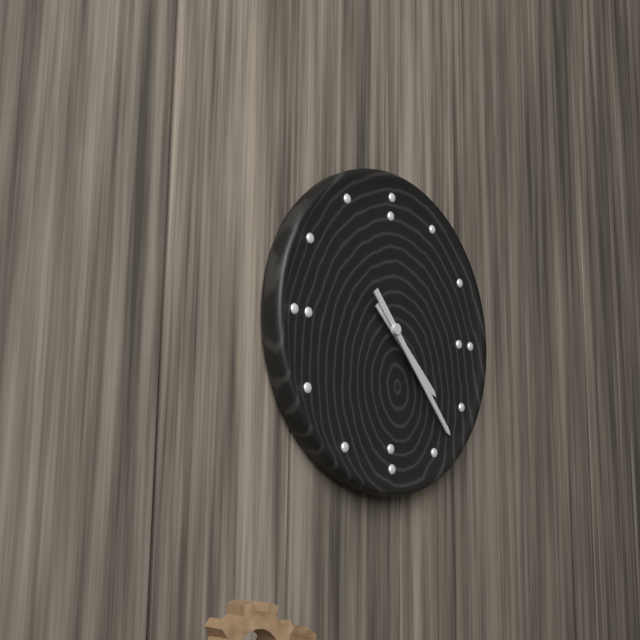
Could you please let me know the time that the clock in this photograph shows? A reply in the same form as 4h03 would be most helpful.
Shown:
4h23
